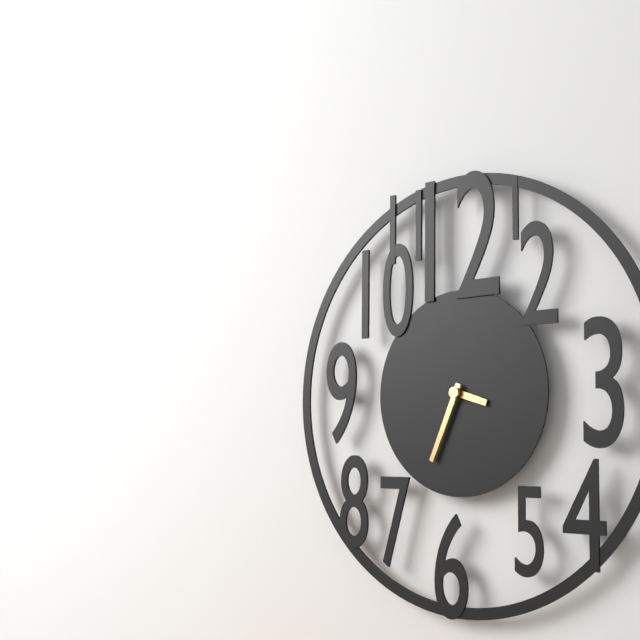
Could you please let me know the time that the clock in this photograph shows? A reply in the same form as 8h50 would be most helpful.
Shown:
3h34
